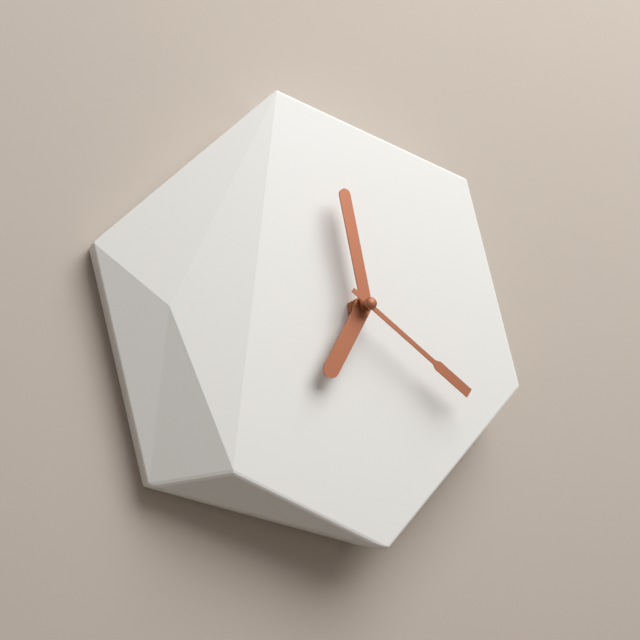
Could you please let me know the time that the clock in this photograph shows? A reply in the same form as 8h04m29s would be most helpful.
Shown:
6h58m21s
